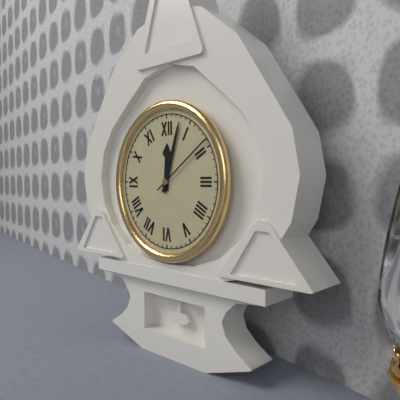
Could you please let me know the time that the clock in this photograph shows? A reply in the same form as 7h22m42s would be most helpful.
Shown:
12h03m09s
